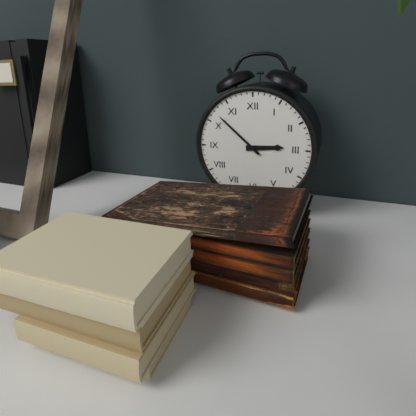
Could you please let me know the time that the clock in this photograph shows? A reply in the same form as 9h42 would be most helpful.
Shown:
2h52
